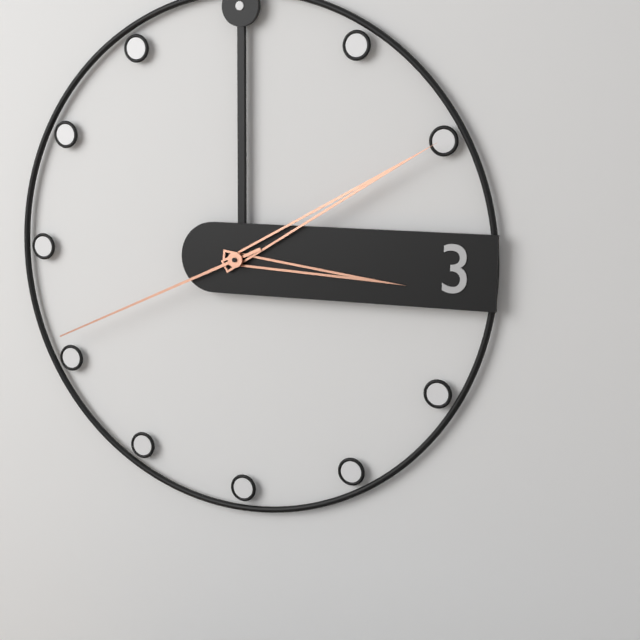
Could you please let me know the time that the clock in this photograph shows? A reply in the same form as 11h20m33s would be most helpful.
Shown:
3h10m41s
